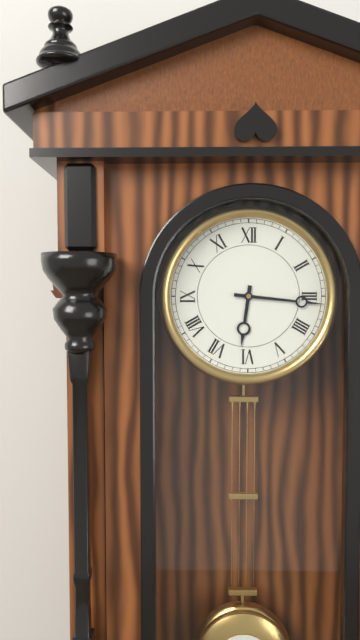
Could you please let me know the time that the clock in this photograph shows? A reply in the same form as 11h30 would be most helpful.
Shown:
6h16
